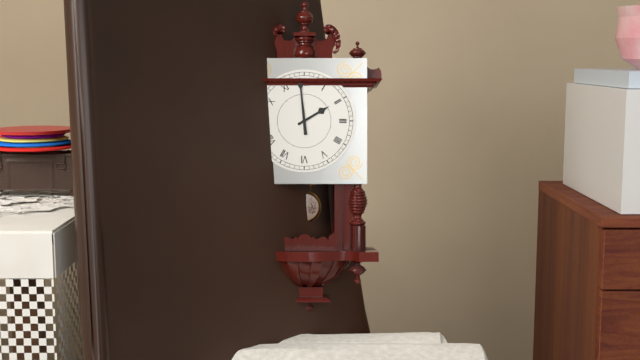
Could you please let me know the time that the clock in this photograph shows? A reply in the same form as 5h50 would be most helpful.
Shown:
1h59
